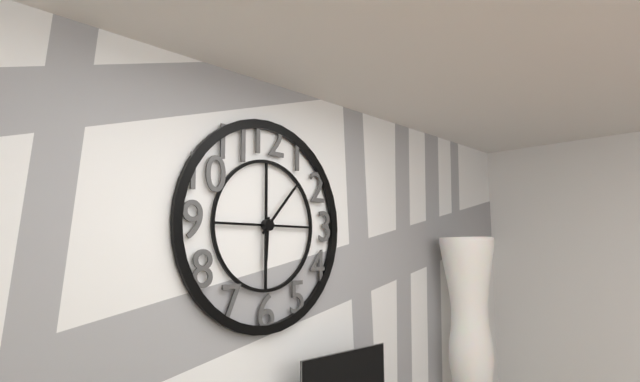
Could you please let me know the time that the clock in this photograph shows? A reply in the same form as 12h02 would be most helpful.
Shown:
6h07
